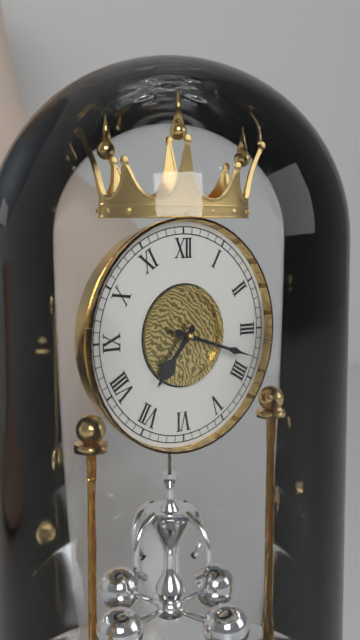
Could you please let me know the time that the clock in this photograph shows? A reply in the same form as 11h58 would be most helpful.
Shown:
7h18
